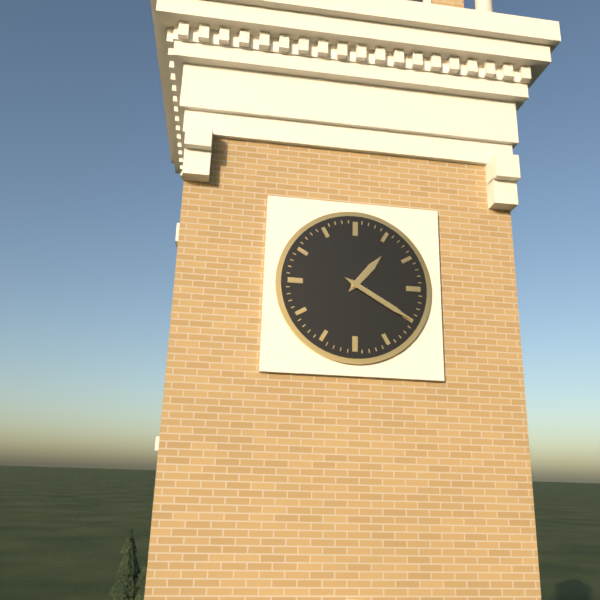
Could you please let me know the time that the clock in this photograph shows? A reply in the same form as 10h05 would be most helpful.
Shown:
1h20
